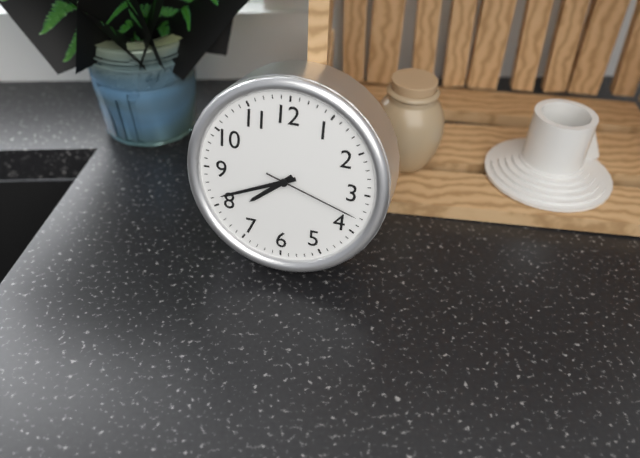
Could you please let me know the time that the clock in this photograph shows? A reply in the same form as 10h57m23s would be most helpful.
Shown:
7h41m18s
